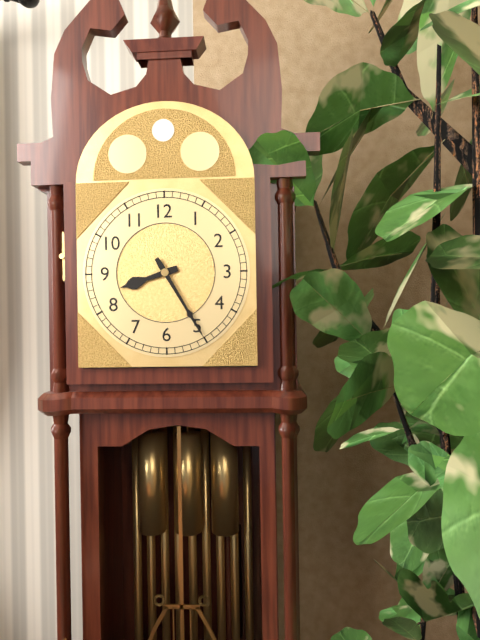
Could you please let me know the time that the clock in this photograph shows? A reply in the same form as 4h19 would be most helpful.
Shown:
8h25
